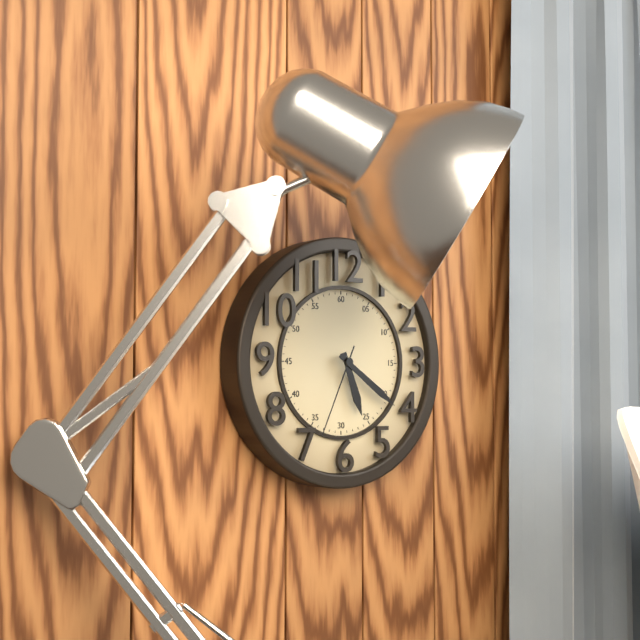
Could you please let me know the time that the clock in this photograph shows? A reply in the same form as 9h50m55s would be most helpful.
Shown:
5h21m34s
